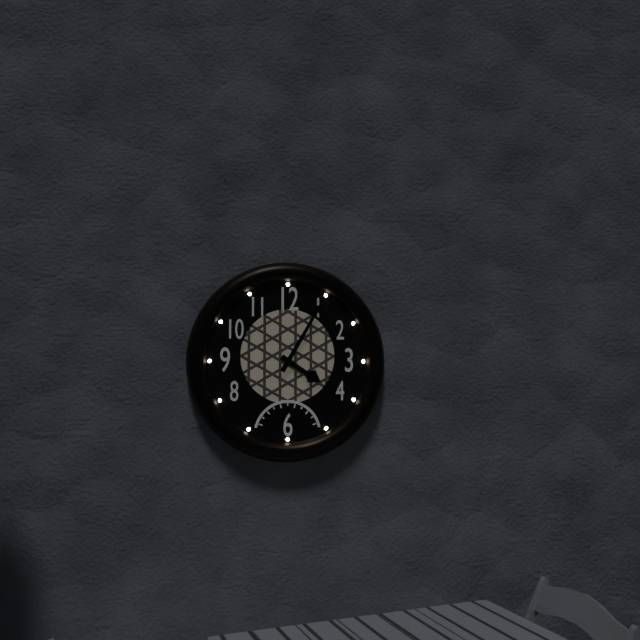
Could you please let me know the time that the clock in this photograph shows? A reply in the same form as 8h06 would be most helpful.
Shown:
4h05
